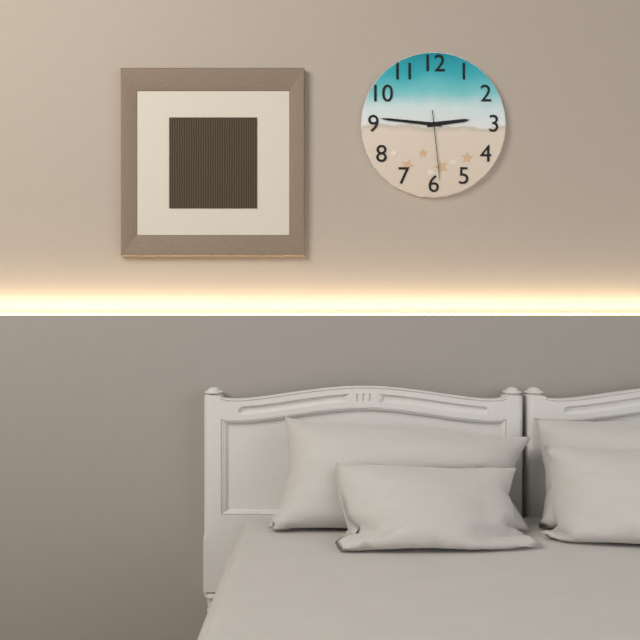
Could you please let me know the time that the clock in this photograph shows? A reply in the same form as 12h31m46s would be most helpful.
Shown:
2h46m29s
